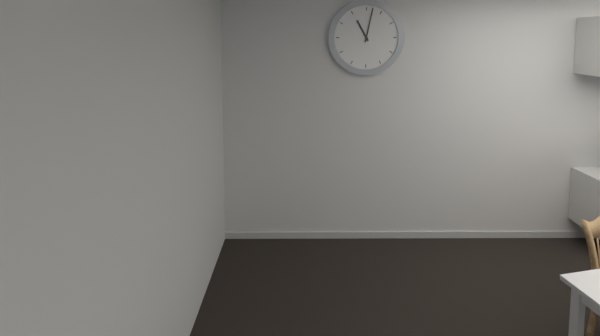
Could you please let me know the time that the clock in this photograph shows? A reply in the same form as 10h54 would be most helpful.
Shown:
11h02
